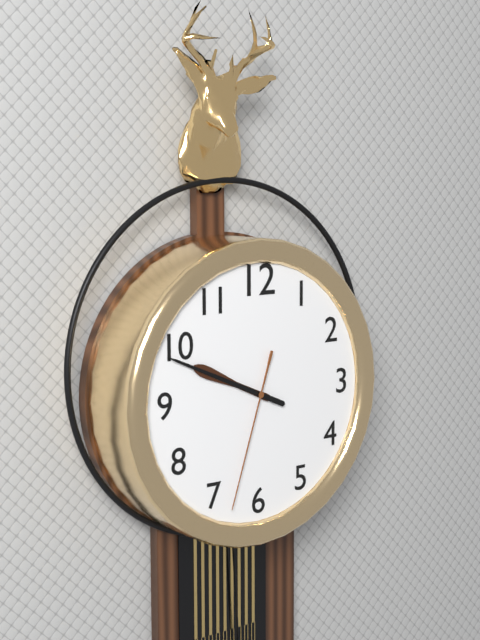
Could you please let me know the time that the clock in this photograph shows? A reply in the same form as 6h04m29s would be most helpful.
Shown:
9h49m33s
